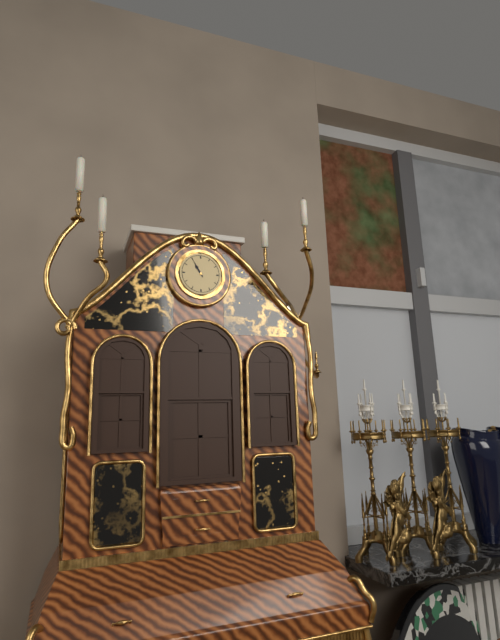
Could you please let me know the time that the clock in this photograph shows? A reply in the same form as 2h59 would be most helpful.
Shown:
10h55
